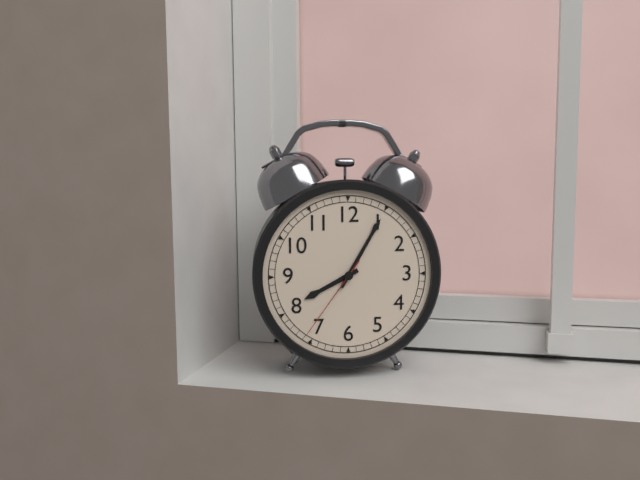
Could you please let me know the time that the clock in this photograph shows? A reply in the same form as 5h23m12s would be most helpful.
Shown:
8h05m36s
